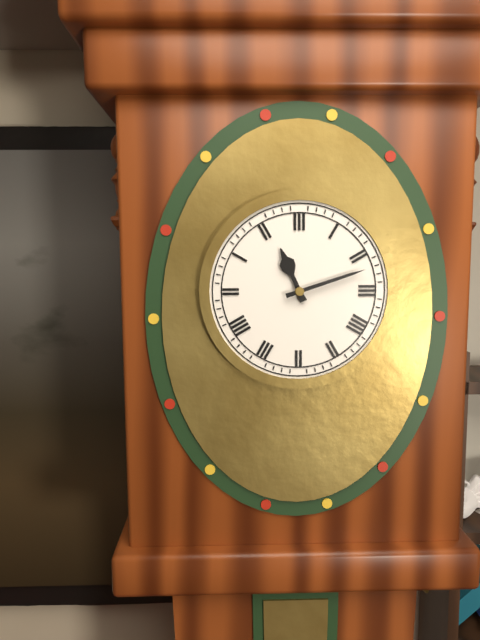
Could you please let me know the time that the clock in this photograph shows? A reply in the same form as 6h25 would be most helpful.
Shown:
11h12
